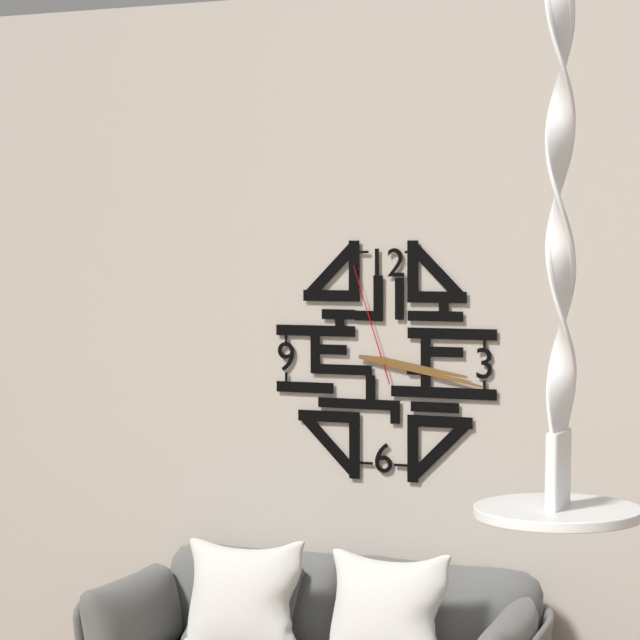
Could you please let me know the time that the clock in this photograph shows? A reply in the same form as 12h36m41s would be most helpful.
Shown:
3h17m57s
